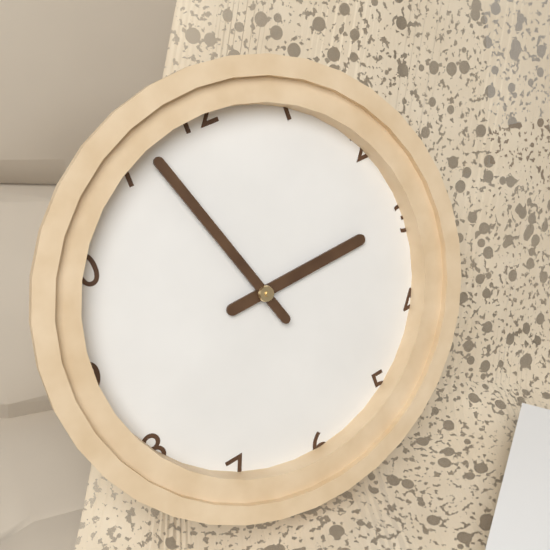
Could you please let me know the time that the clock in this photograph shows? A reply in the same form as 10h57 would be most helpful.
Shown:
2h57
